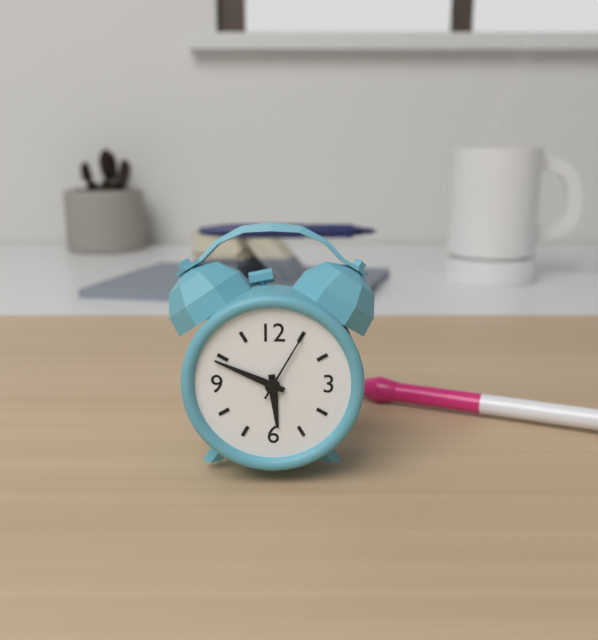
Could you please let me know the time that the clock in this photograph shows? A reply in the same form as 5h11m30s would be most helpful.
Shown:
5h49m05s
